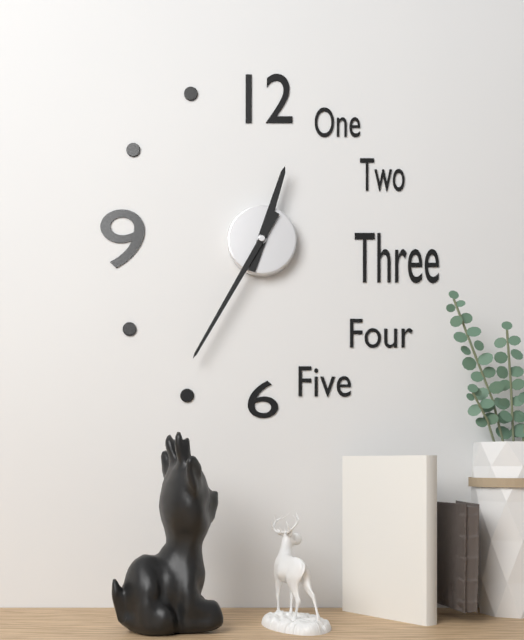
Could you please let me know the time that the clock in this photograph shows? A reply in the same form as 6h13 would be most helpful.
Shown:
12h35
